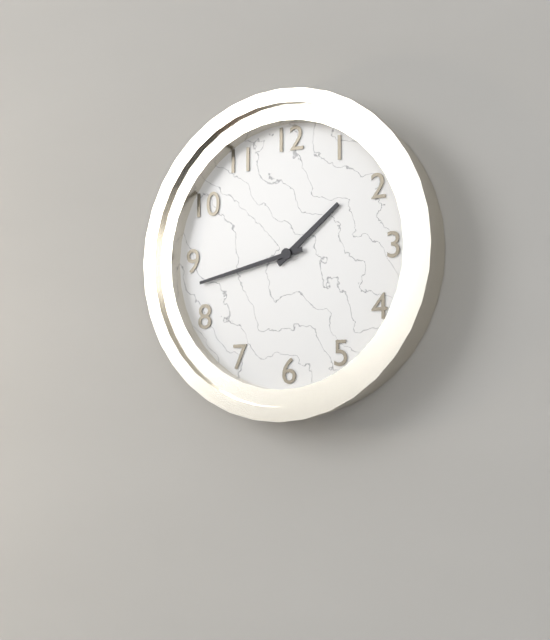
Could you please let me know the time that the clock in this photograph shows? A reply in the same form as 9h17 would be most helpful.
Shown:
1h43
